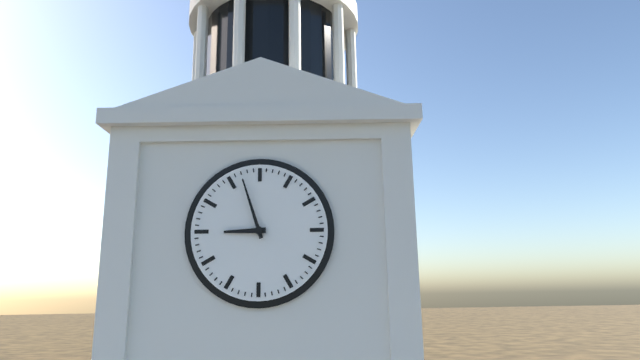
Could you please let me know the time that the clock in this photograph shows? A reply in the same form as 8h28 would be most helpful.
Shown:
8h57
